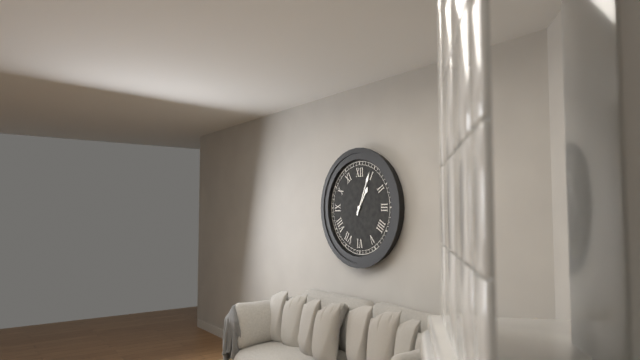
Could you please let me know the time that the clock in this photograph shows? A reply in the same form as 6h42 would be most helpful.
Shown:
1h04
